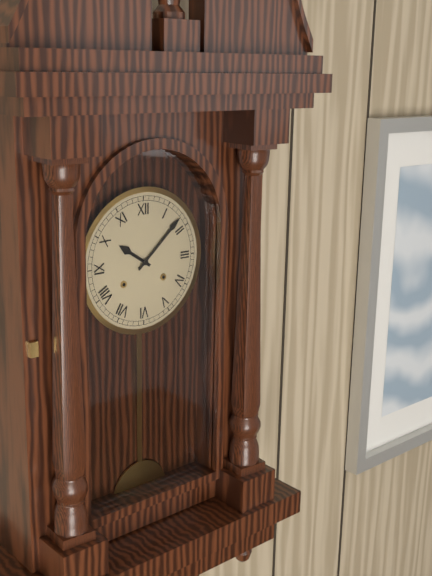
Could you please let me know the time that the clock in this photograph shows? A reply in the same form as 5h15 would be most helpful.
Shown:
10h08
